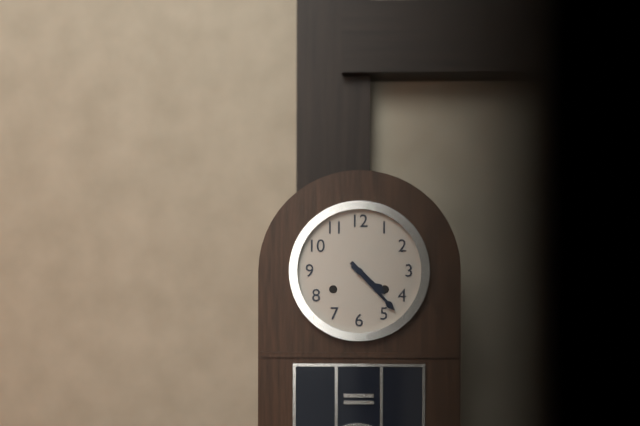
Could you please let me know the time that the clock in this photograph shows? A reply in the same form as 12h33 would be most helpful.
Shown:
4h23
